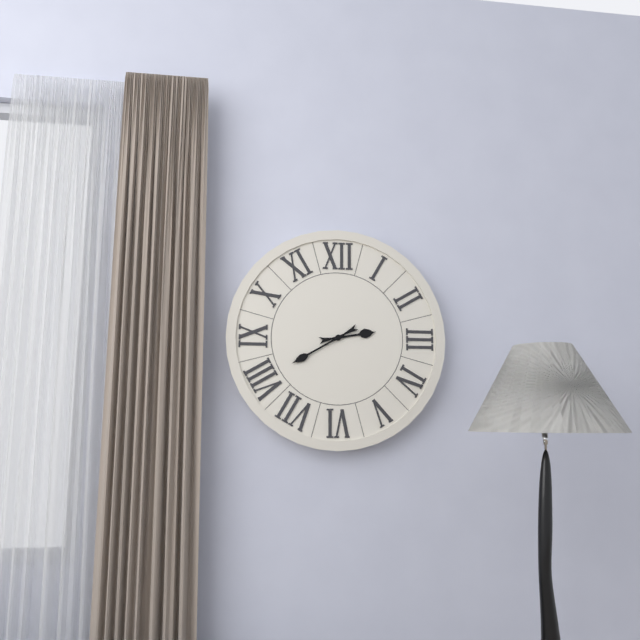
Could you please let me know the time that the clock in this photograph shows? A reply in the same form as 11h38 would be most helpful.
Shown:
2h40
